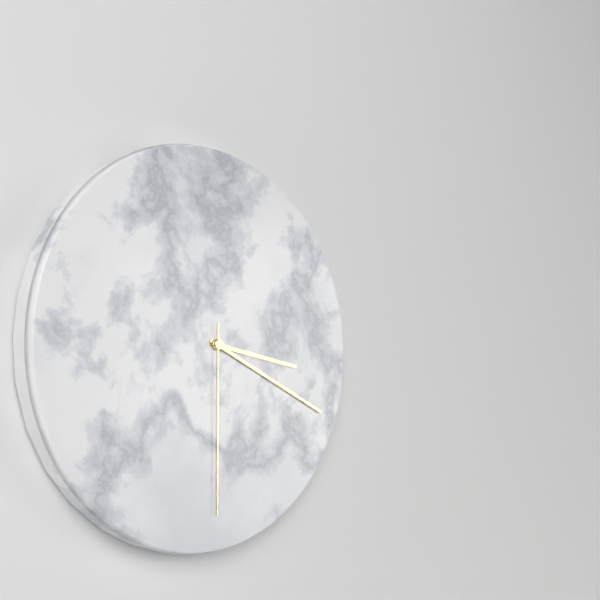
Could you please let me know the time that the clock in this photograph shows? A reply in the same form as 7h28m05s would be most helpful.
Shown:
3h19m30s
